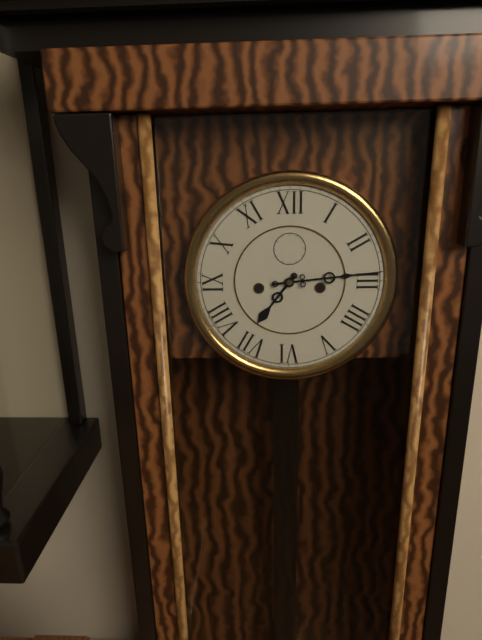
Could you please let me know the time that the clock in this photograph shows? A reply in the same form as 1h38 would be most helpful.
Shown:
7h14
